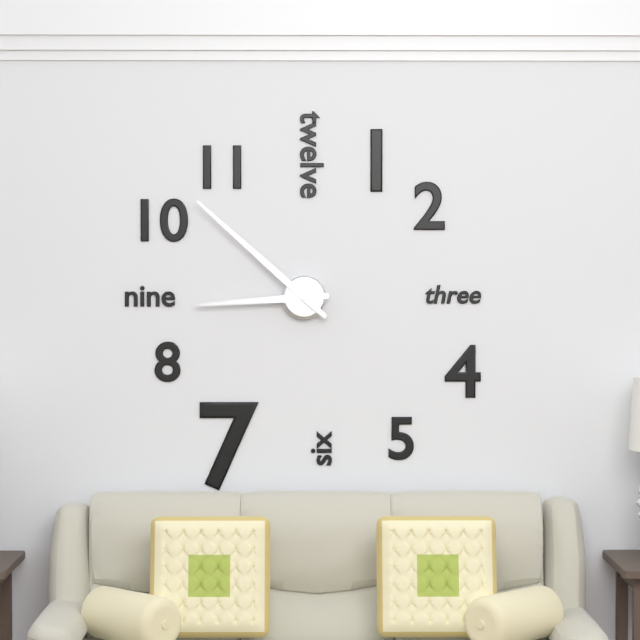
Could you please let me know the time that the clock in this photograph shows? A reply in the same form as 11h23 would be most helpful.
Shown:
8h52
